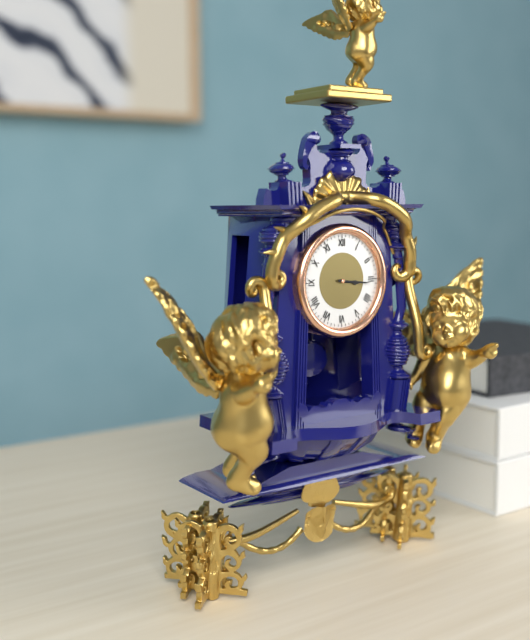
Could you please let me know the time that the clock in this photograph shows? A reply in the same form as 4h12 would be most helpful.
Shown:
3h16
